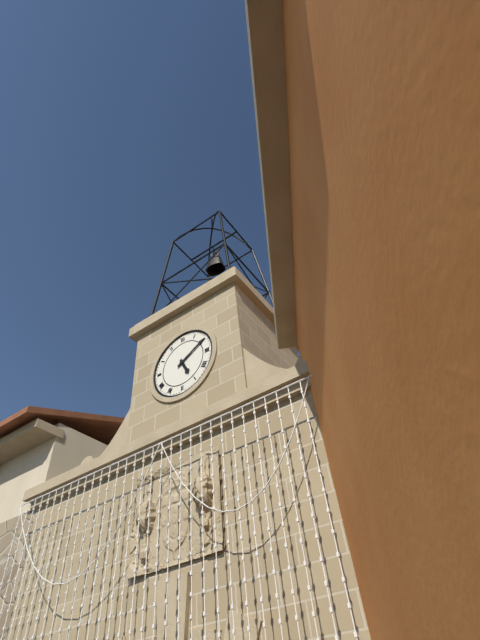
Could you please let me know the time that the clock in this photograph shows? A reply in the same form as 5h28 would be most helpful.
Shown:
5h10
